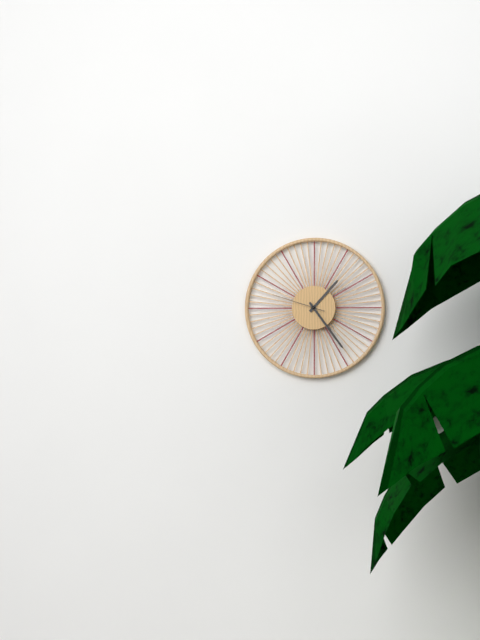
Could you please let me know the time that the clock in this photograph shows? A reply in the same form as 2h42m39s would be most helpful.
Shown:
1h24m48s
